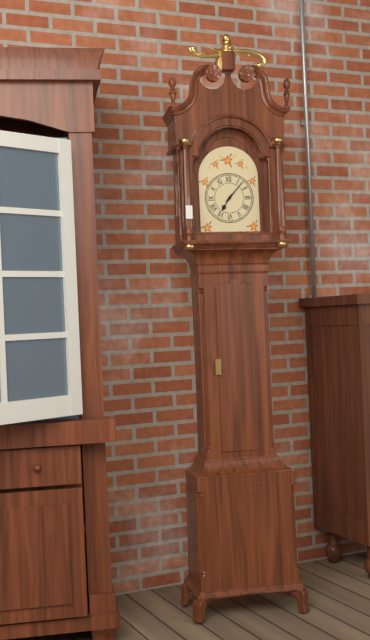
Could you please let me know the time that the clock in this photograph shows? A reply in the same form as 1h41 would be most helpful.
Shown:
7h07
